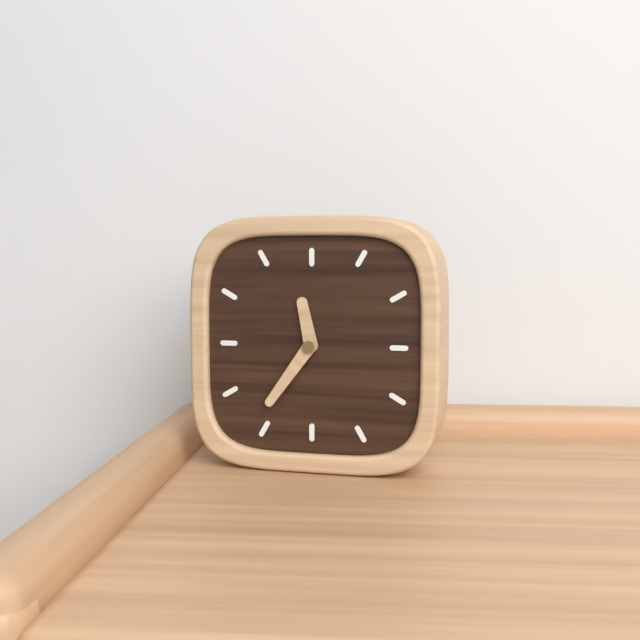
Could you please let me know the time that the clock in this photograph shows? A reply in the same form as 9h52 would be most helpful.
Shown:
11h36
